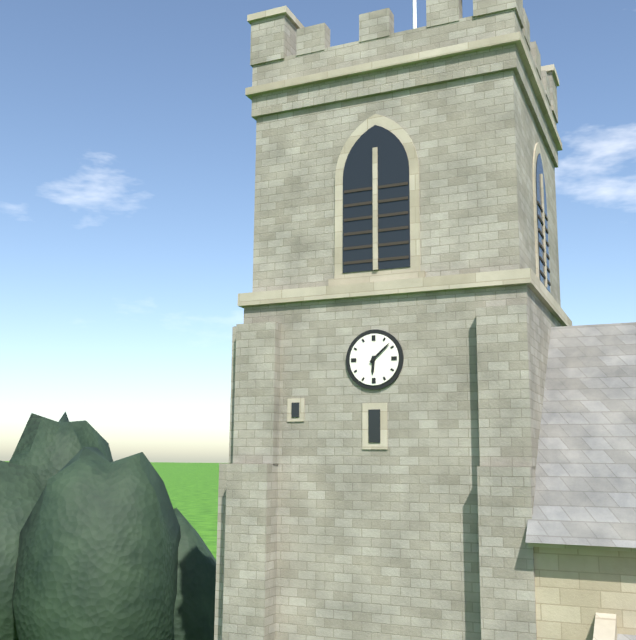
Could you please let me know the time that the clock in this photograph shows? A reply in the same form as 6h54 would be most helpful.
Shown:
6h08
